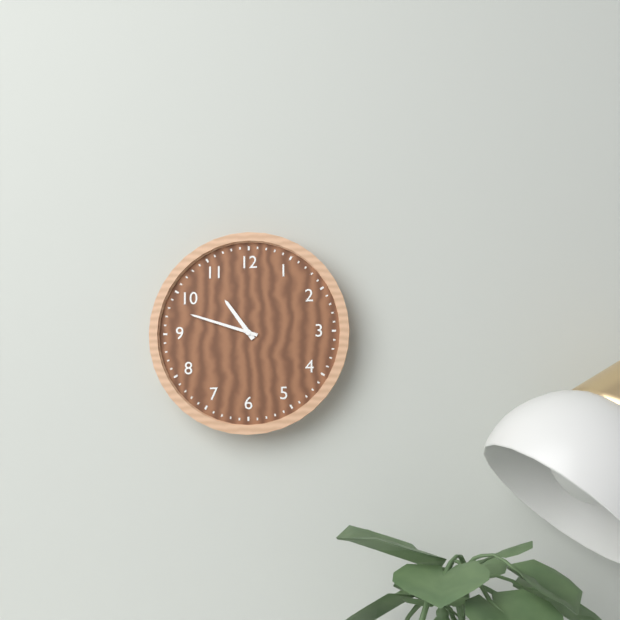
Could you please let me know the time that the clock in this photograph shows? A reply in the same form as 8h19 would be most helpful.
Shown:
10h48
